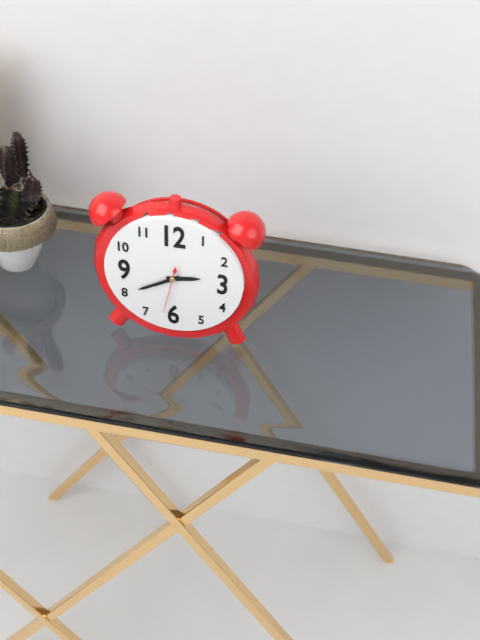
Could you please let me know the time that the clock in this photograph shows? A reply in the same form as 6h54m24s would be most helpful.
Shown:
2h40m32s
